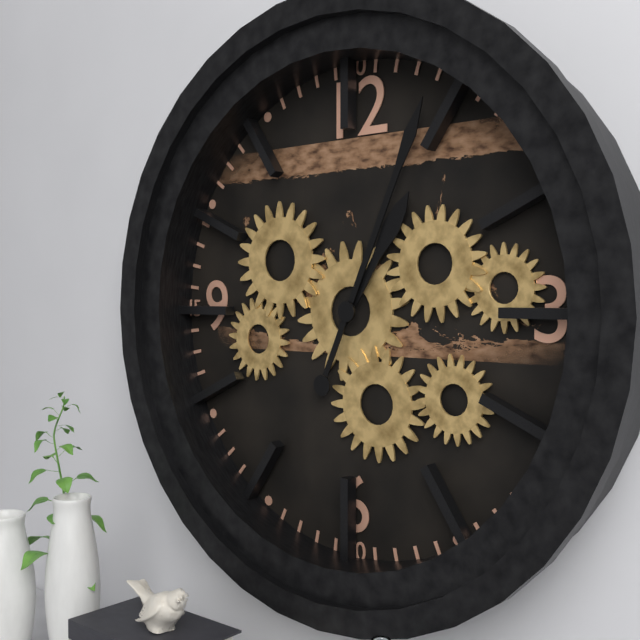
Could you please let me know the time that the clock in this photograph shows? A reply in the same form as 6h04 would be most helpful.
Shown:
1h04
